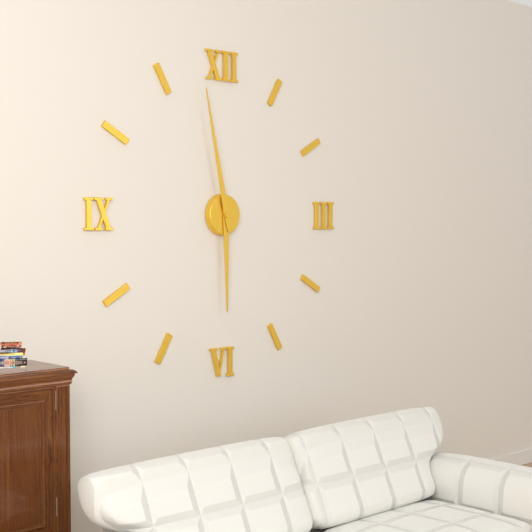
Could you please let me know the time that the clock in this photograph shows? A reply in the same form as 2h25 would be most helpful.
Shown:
5h58
